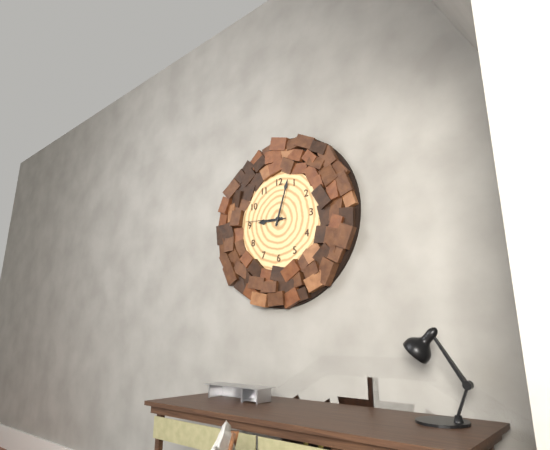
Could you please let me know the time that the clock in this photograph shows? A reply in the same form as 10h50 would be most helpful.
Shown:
9h03
